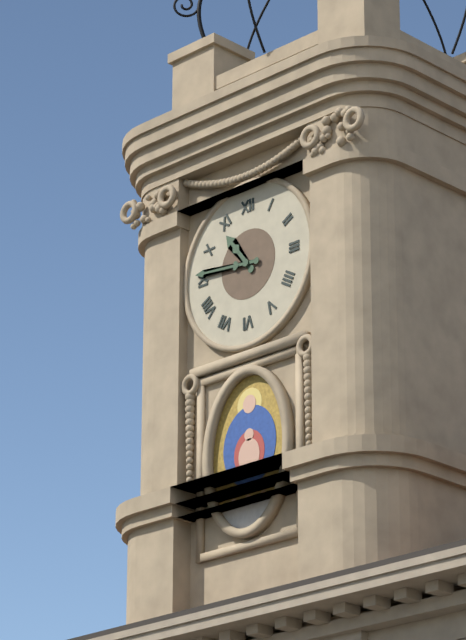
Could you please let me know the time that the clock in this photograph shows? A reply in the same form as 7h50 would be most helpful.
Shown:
10h46
